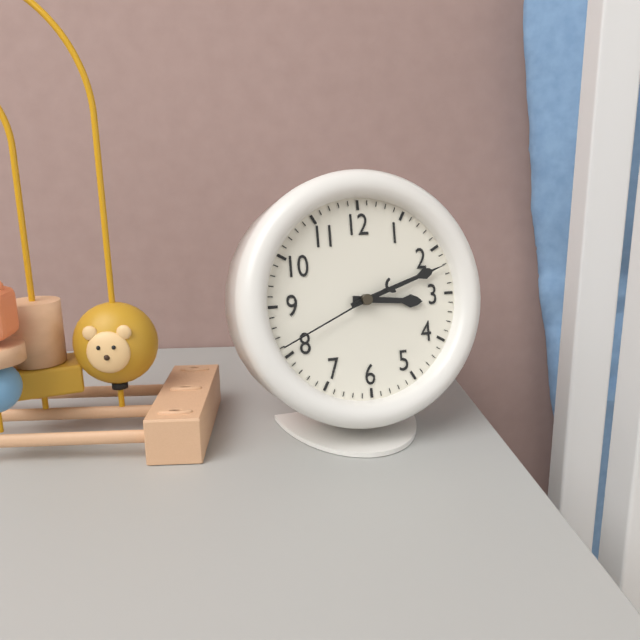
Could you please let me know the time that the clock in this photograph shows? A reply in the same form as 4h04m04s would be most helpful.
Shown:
3h12m41s
